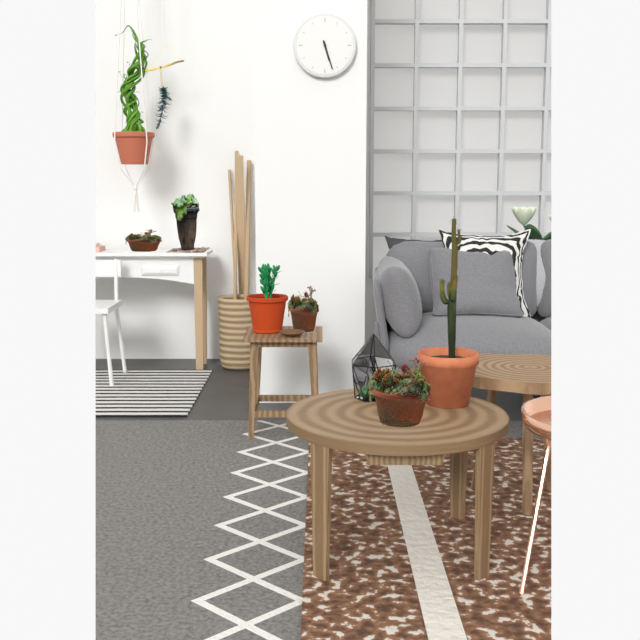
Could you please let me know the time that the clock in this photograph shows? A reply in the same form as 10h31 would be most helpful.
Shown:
5h27
